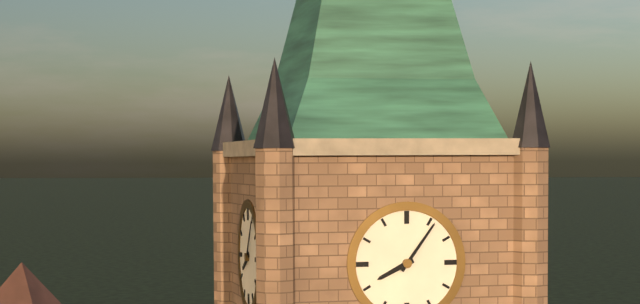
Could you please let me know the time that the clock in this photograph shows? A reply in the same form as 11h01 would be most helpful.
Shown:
8h06
